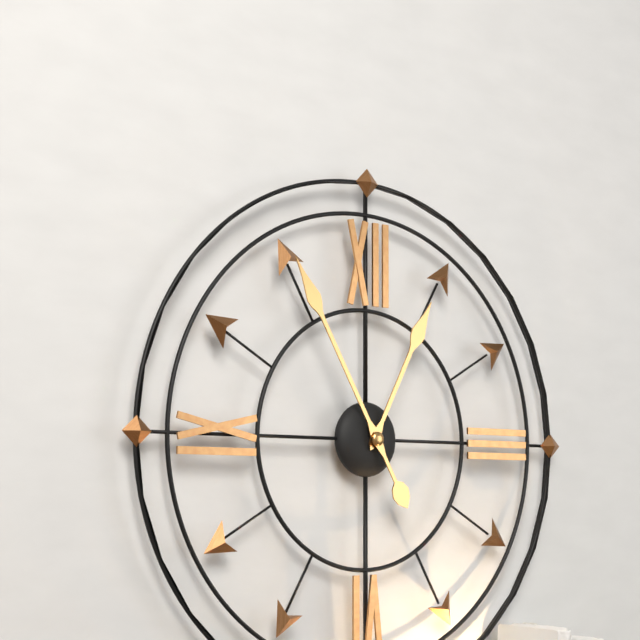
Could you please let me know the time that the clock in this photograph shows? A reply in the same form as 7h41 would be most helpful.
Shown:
12h55
